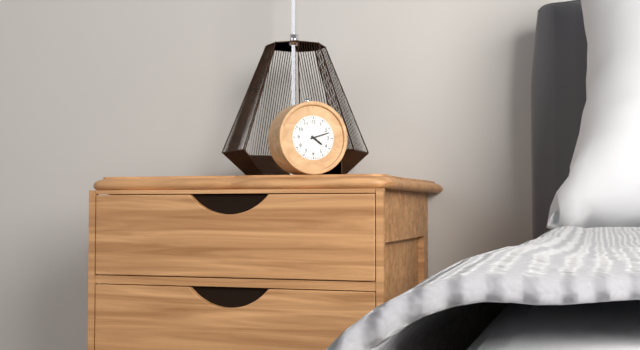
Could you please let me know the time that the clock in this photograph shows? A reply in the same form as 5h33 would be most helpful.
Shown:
4h12
